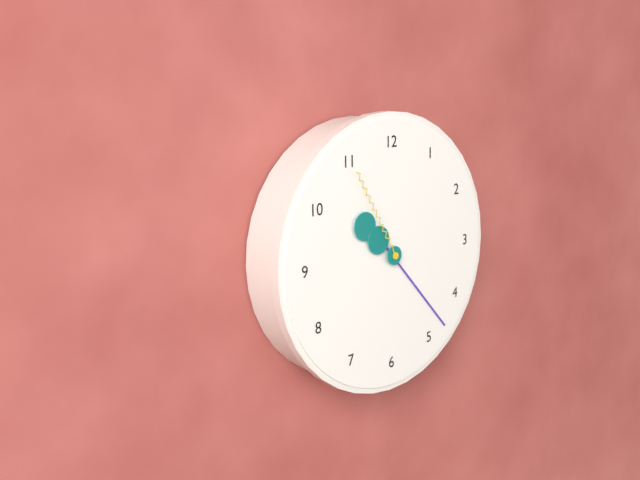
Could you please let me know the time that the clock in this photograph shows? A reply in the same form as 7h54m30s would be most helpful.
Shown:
10h23m55s
